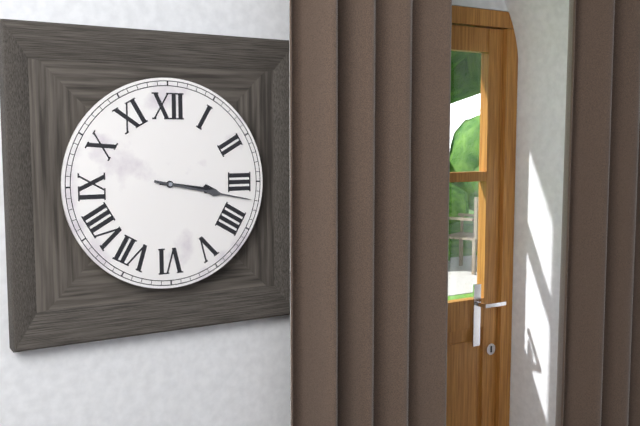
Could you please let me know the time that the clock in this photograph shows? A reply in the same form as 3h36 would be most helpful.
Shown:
3h17
